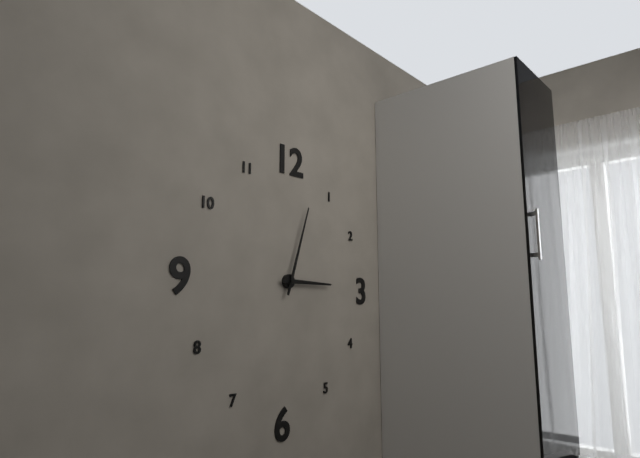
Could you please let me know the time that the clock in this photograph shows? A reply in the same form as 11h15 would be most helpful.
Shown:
3h03
